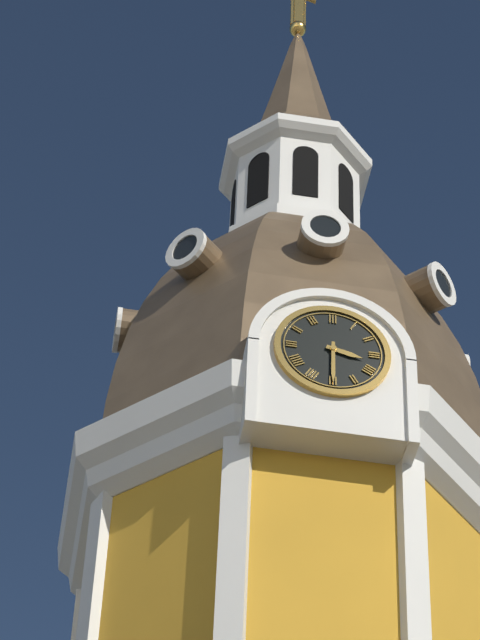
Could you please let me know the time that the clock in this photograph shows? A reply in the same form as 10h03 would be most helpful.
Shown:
3h30
